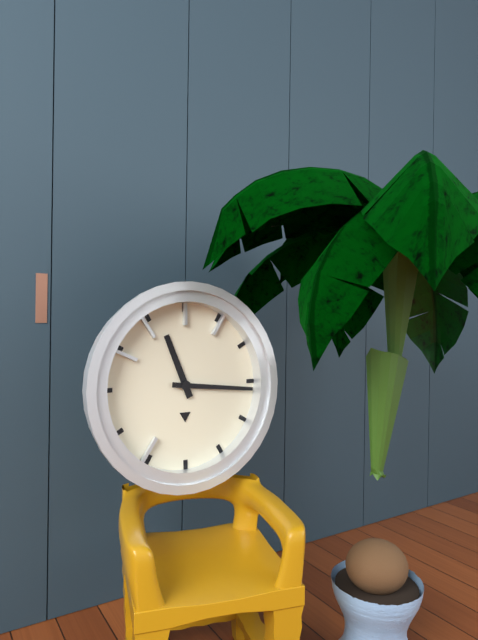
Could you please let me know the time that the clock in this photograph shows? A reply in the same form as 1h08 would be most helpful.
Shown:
11h16
